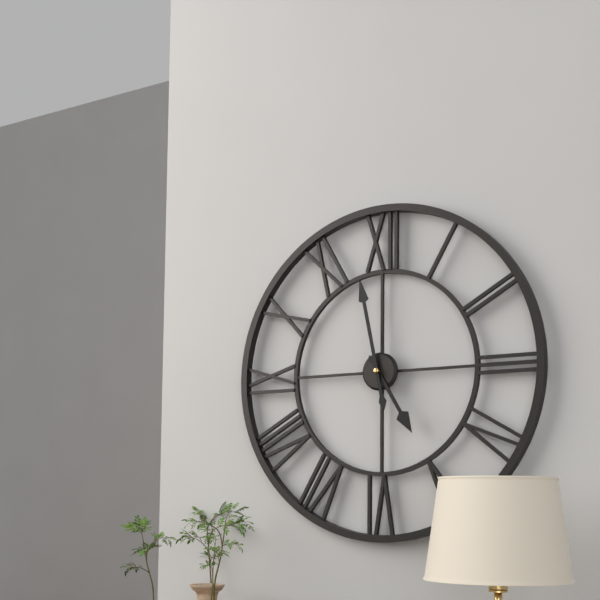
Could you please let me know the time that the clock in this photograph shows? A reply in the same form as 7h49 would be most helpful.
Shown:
4h58
